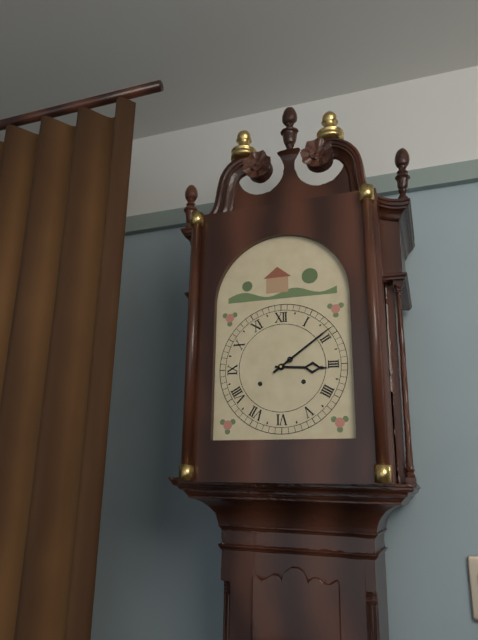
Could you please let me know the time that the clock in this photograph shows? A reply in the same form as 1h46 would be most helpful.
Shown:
3h09
